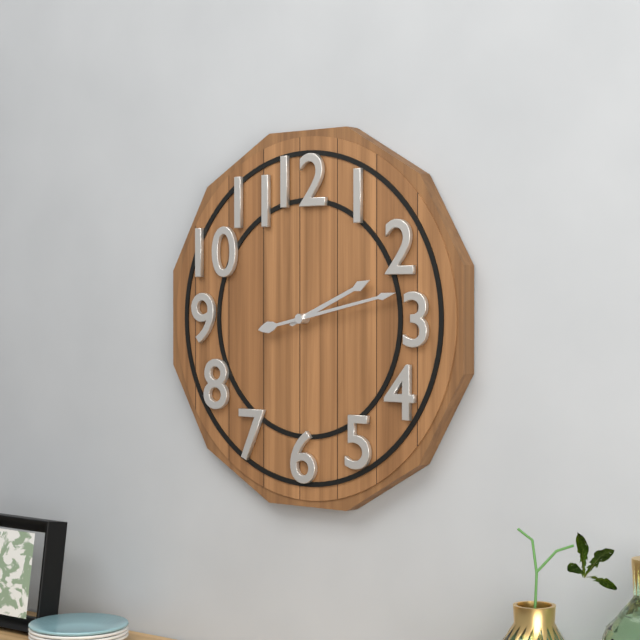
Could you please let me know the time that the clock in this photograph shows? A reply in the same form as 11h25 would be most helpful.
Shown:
2h13
